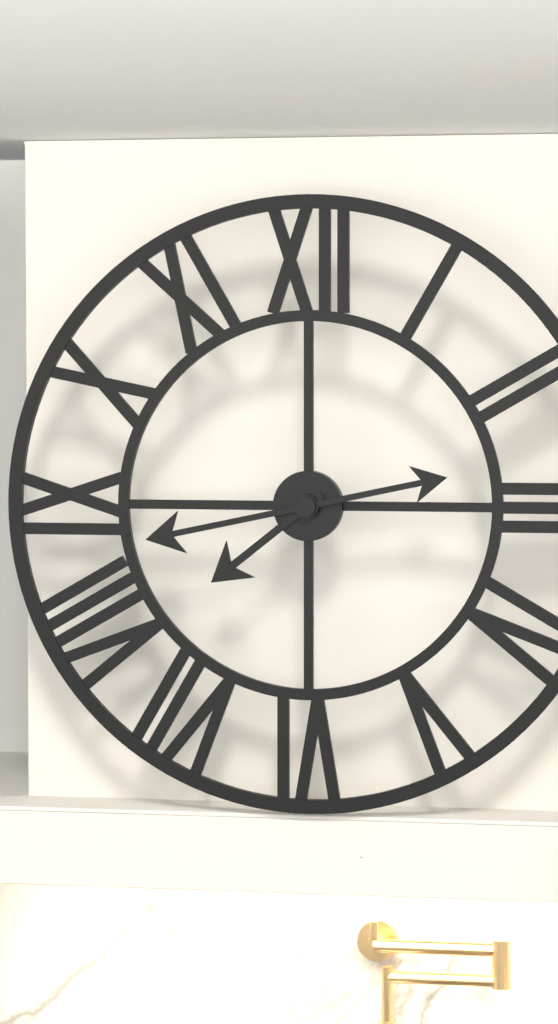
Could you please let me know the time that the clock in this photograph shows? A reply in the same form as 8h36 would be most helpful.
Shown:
7h43
